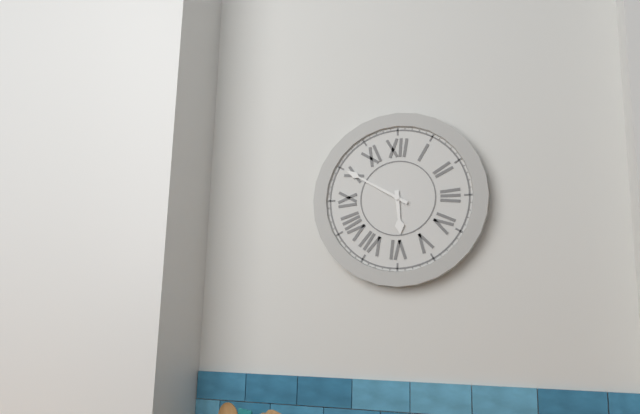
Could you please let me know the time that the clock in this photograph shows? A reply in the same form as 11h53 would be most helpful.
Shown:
5h50
